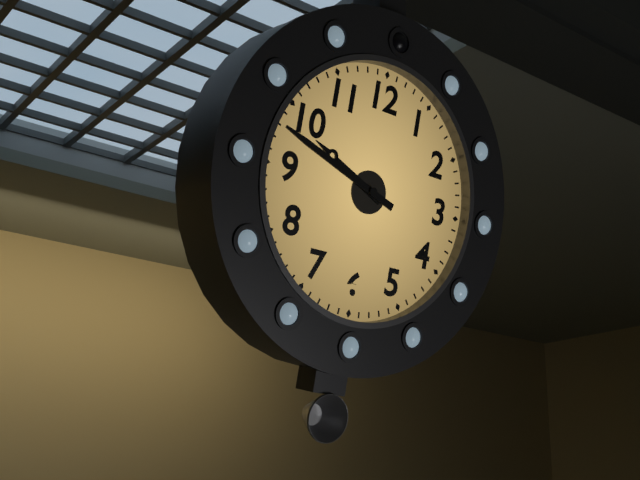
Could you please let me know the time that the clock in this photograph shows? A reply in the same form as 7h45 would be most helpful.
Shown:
9h48
